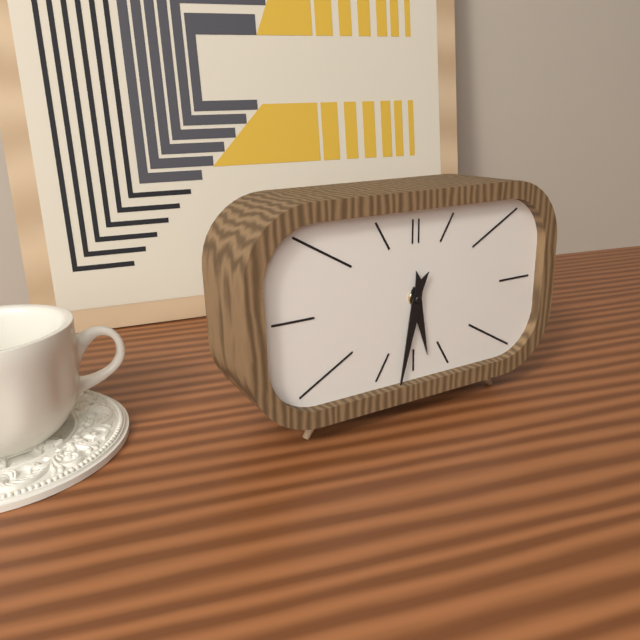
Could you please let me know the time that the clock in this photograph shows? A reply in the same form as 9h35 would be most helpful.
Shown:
5h32
